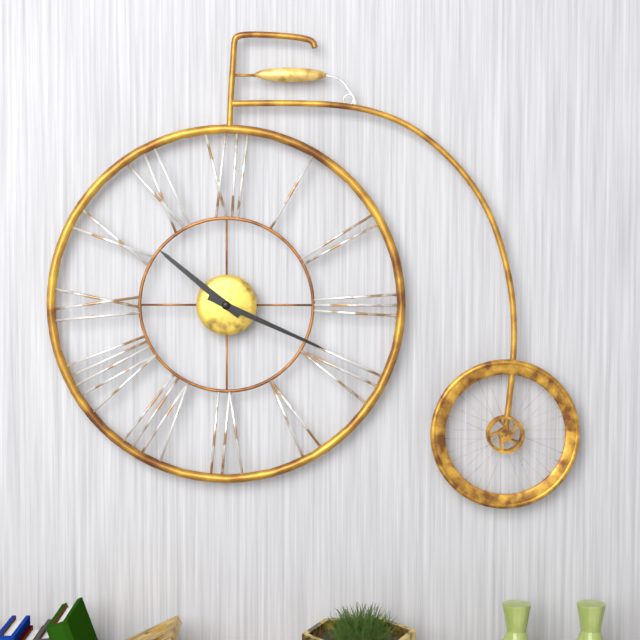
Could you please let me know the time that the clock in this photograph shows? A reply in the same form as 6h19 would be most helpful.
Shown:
10h19
